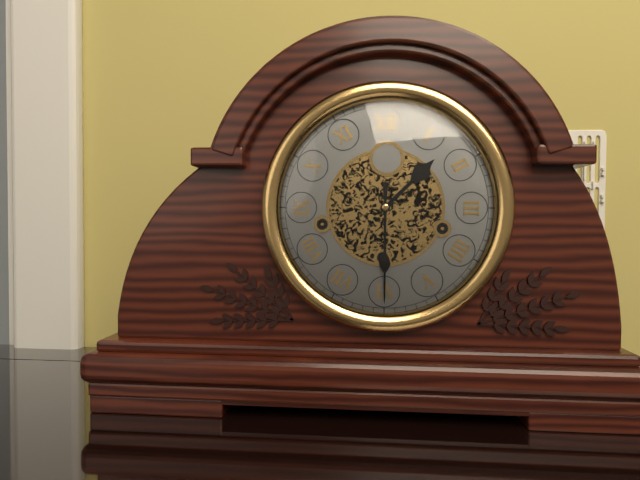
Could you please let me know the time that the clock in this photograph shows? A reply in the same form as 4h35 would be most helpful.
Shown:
1h30
